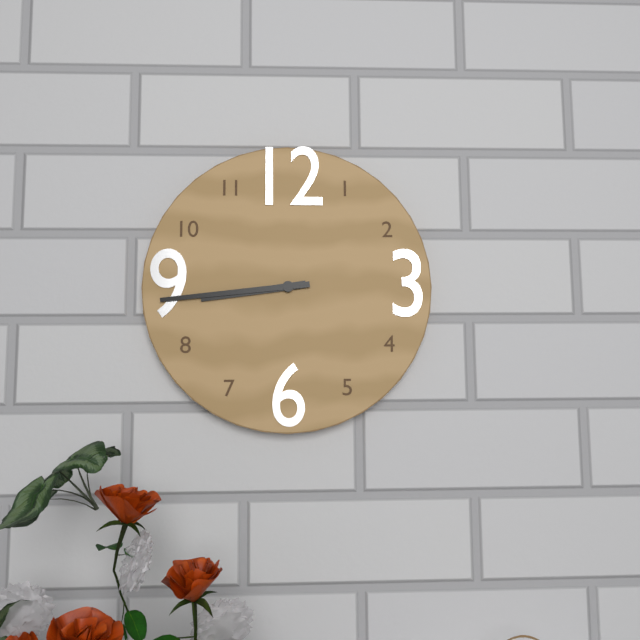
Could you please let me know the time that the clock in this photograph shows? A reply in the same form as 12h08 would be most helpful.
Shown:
8h44
